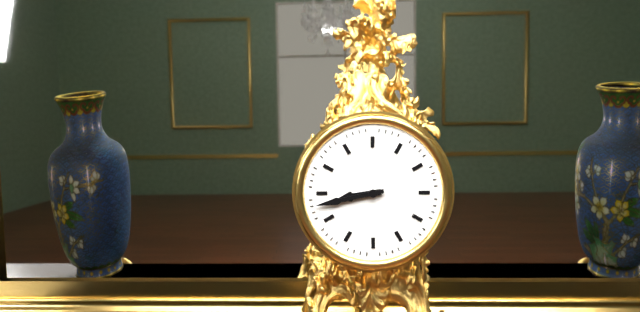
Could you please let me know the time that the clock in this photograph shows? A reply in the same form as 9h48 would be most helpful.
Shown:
8h43
